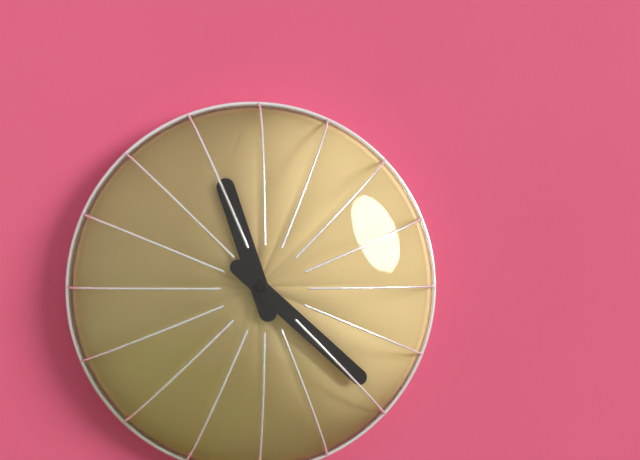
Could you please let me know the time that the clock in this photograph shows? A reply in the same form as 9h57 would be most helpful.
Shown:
11h22
